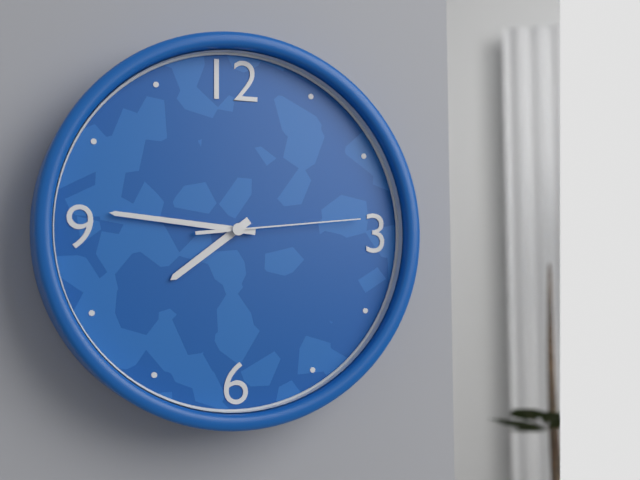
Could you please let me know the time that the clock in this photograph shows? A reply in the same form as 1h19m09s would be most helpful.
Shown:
7h46m14s
